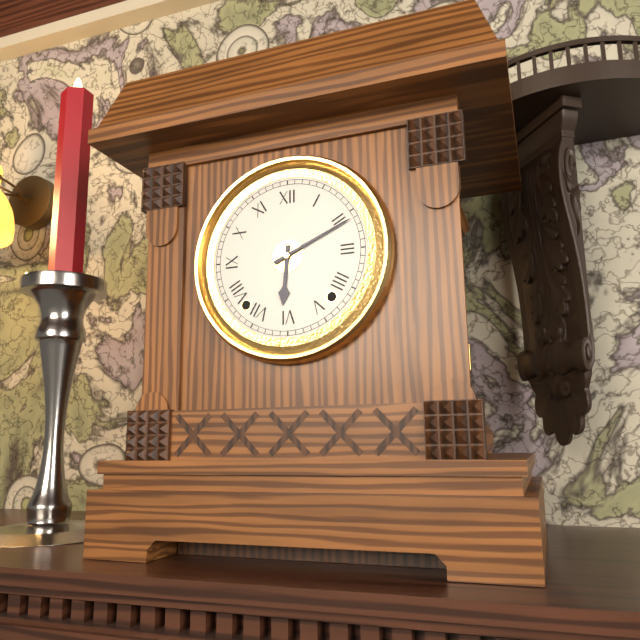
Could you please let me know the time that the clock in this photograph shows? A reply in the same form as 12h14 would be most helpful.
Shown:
6h11
